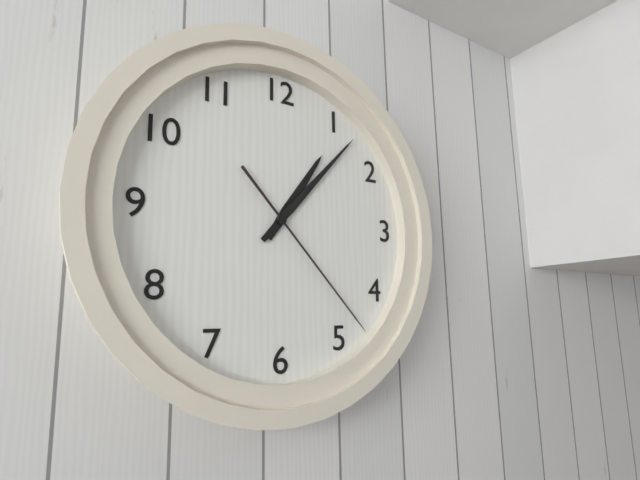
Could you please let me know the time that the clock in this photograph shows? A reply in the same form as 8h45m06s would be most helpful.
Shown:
1h07m23s
